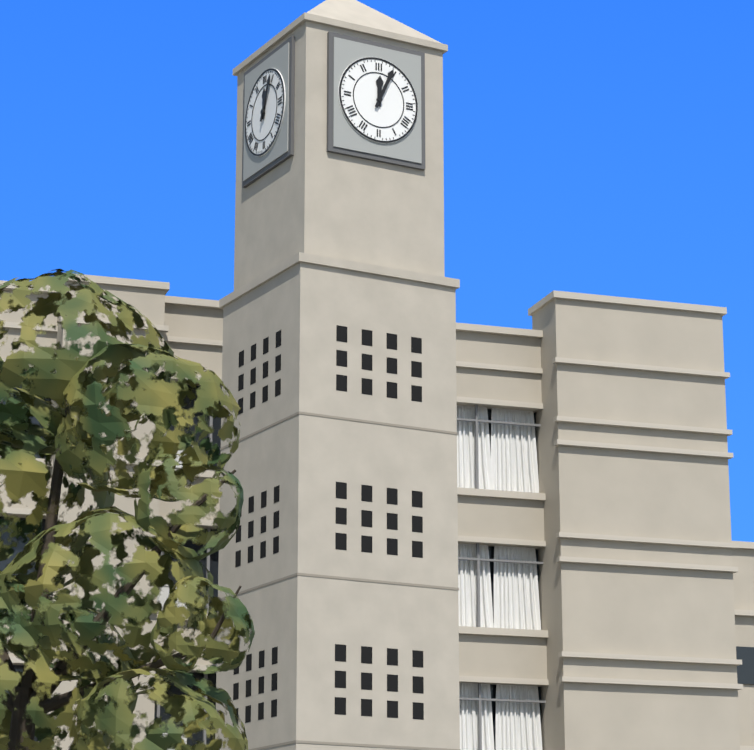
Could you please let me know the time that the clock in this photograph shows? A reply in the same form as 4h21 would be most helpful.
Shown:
12h04
